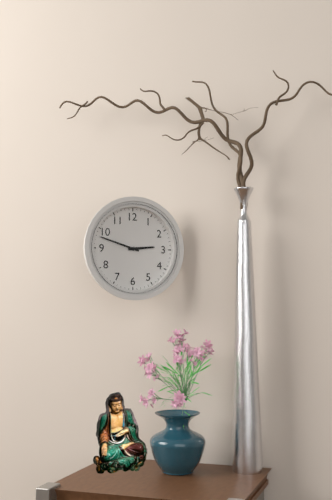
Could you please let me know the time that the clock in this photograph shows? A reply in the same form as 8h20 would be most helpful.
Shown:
2h48
